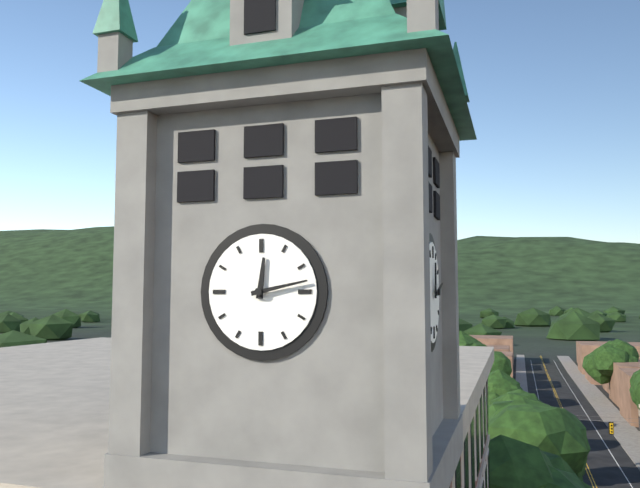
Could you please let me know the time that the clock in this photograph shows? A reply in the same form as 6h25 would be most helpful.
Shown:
12h13
